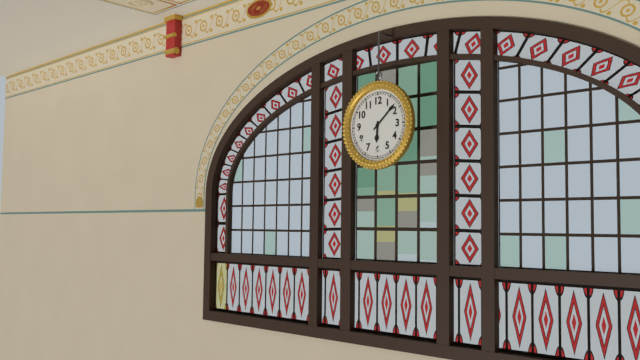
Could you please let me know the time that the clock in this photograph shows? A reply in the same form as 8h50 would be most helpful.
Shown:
6h08
